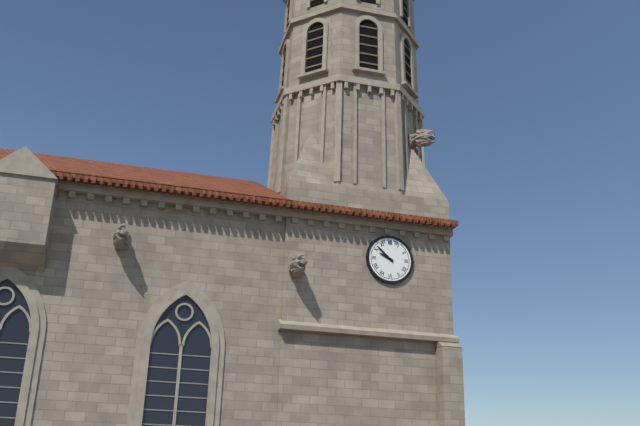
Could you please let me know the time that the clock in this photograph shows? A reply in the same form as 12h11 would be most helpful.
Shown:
9h52
